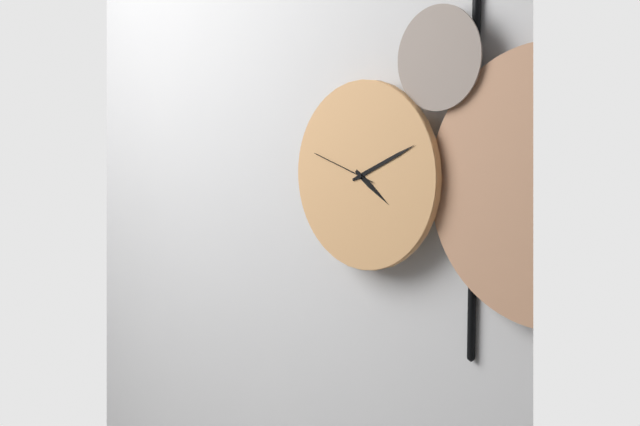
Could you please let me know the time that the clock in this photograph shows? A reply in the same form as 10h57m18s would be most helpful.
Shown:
4h11m48s
